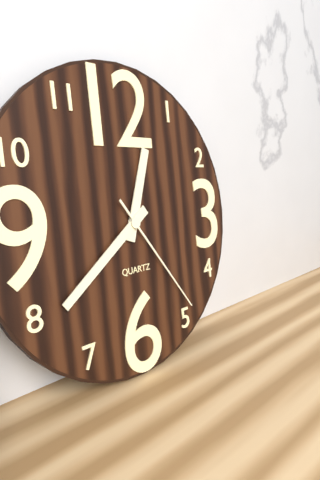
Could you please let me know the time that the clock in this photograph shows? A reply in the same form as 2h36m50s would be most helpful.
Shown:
12h39m24s
